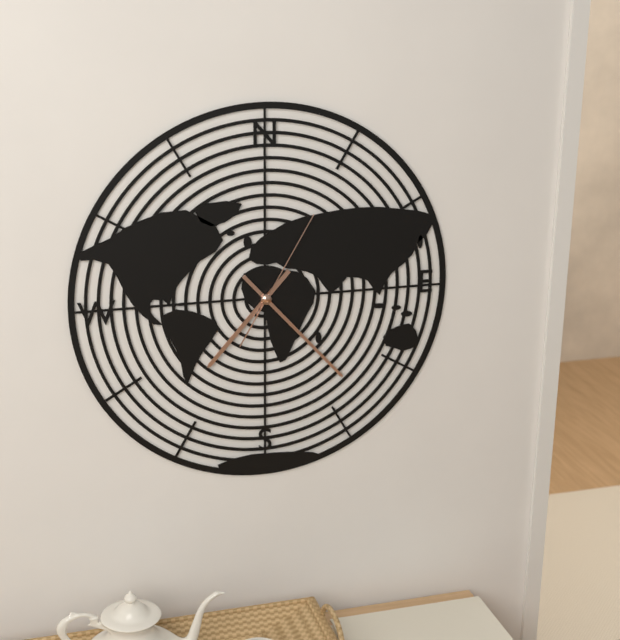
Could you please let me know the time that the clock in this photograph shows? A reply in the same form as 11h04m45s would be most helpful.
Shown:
7h23m05s
